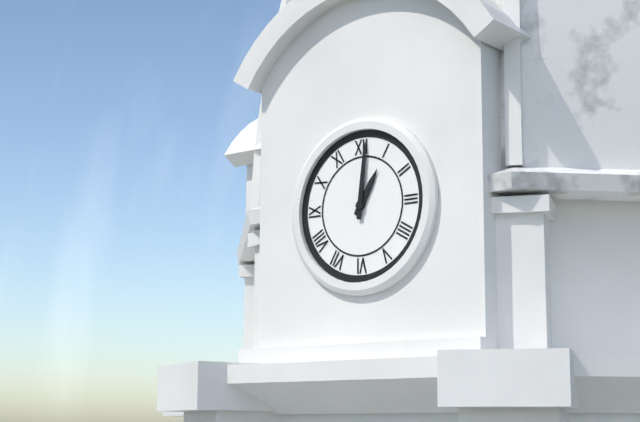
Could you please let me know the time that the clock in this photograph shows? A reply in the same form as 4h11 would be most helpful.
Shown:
1h01
